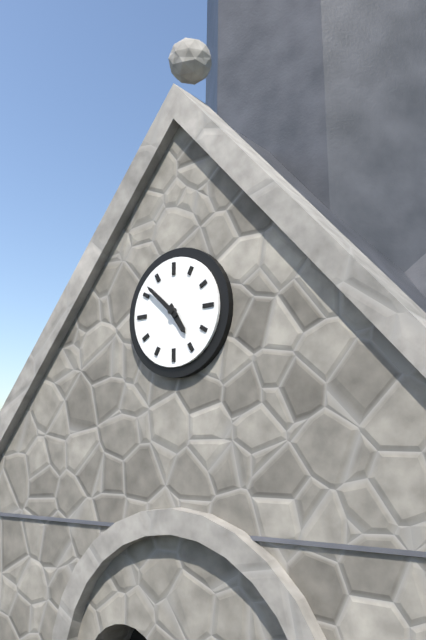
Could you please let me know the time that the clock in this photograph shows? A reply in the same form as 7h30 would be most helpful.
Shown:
4h52
